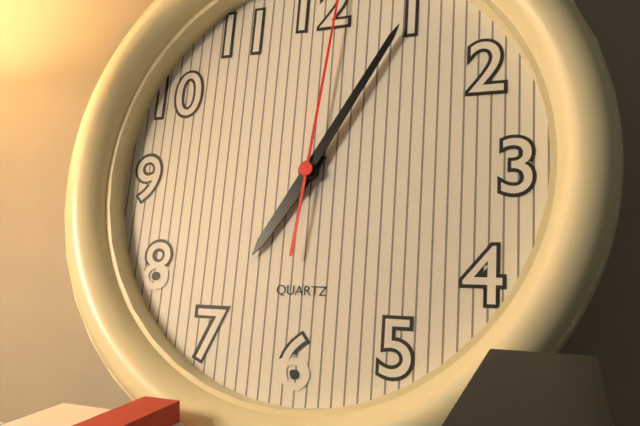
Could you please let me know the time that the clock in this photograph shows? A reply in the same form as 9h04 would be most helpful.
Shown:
7h05
